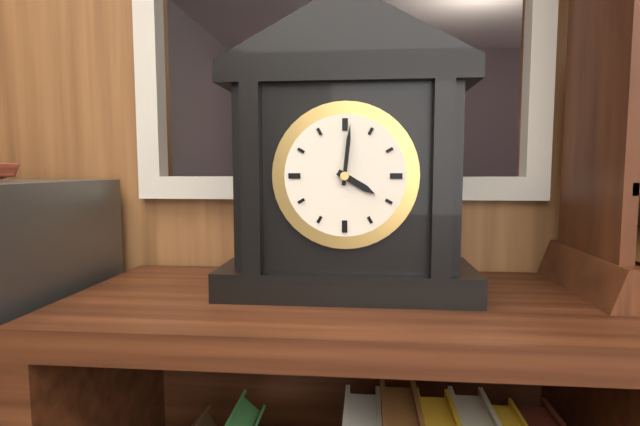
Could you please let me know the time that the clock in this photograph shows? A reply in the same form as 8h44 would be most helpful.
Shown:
4h01
